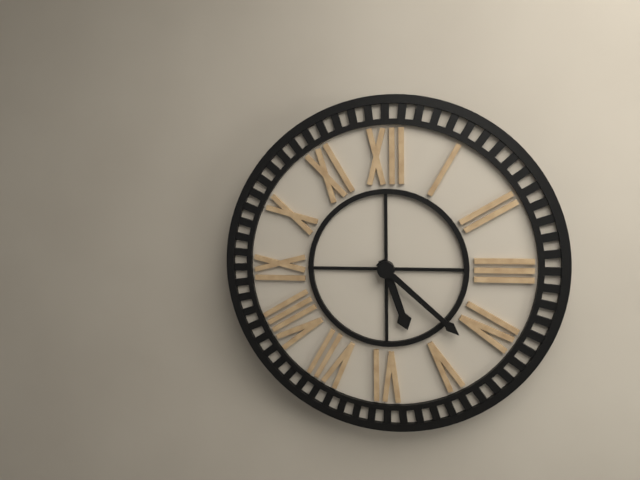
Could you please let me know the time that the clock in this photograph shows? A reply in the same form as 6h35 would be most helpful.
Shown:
5h22
